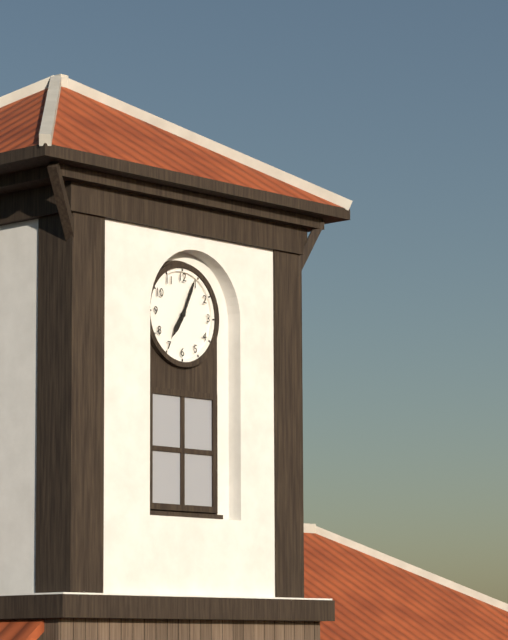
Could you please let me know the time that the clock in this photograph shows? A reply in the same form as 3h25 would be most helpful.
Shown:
7h04
